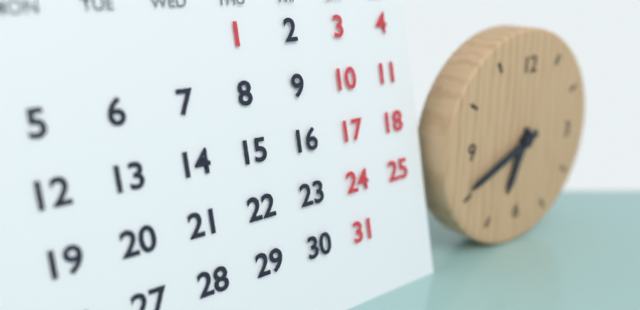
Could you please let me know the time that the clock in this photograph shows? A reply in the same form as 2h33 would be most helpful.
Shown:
6h41
